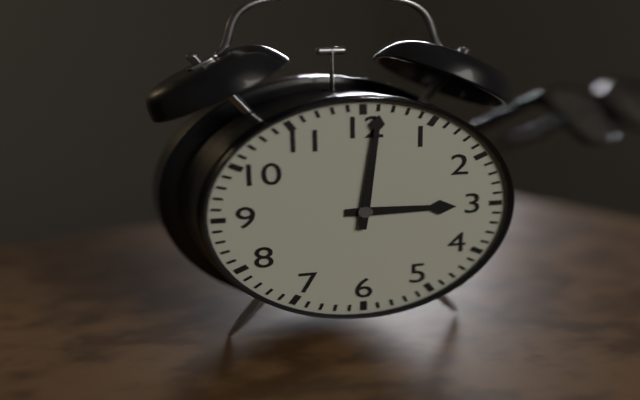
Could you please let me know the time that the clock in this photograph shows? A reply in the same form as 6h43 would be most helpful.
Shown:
3h01
